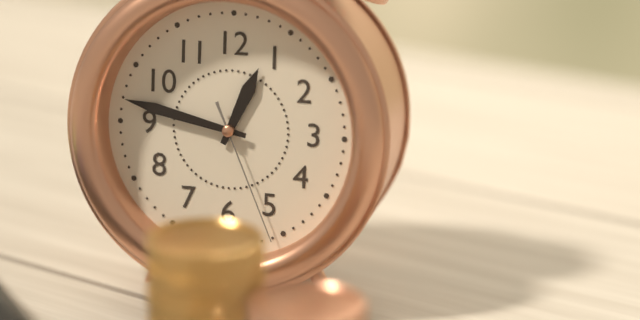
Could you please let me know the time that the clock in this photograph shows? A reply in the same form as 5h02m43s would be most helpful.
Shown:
12h47m26s
